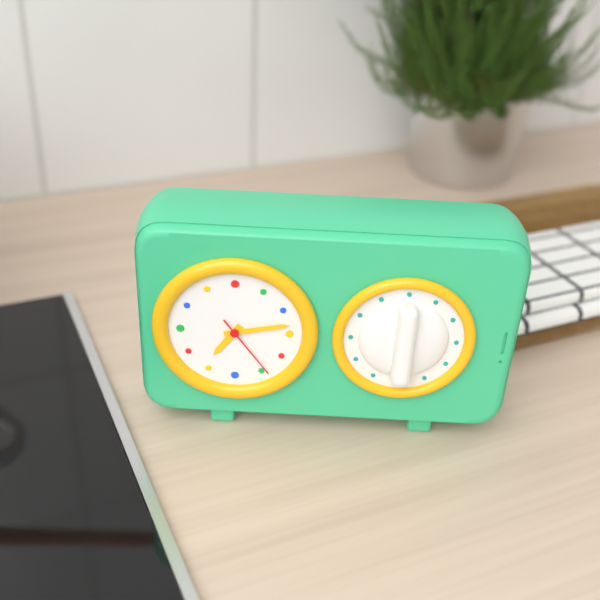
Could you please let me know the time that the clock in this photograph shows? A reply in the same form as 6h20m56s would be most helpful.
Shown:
7h13m24s
